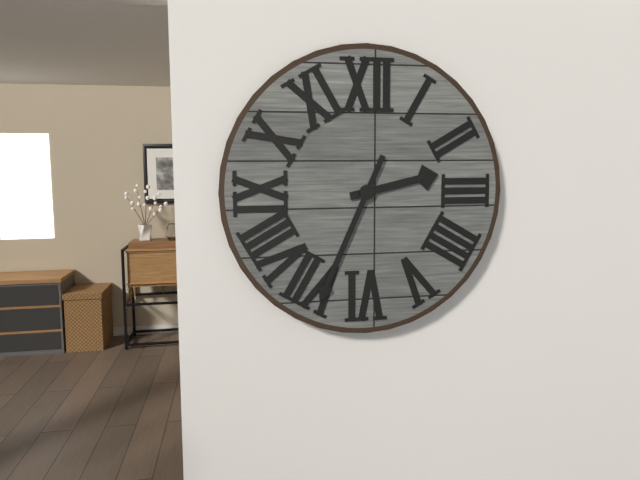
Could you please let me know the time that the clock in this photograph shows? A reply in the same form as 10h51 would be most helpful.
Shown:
2h34
